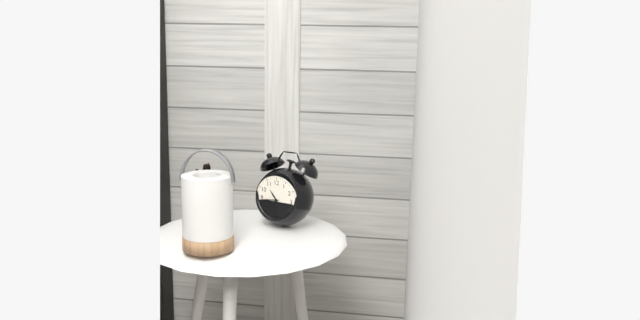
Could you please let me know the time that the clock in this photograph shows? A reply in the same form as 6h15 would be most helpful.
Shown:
10h44
